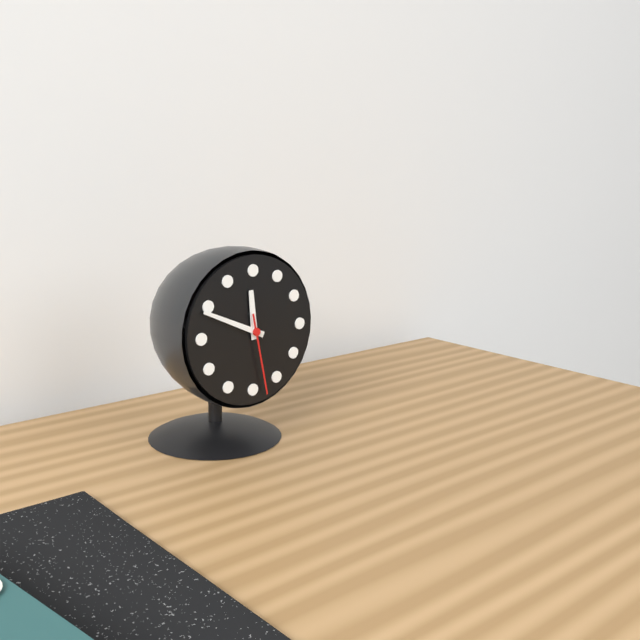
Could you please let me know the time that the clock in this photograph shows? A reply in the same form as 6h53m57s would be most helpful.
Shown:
11h49m28s
